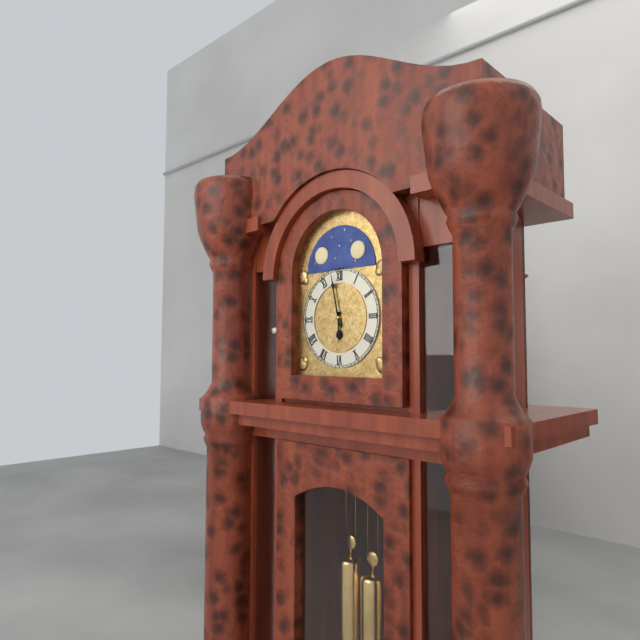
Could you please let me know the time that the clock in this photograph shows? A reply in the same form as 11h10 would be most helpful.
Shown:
5h58
